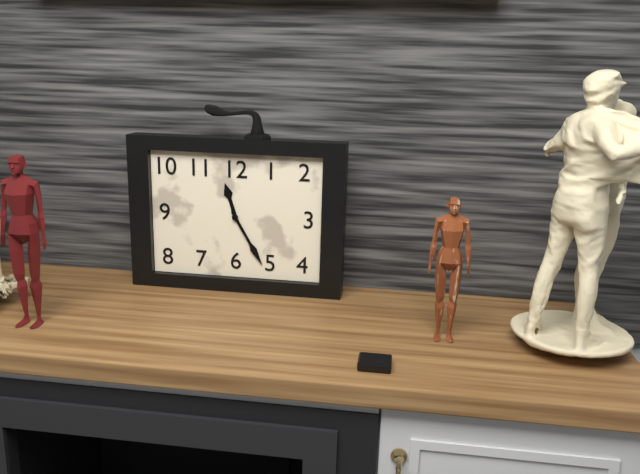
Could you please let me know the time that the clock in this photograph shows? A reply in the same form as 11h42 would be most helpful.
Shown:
11h25
